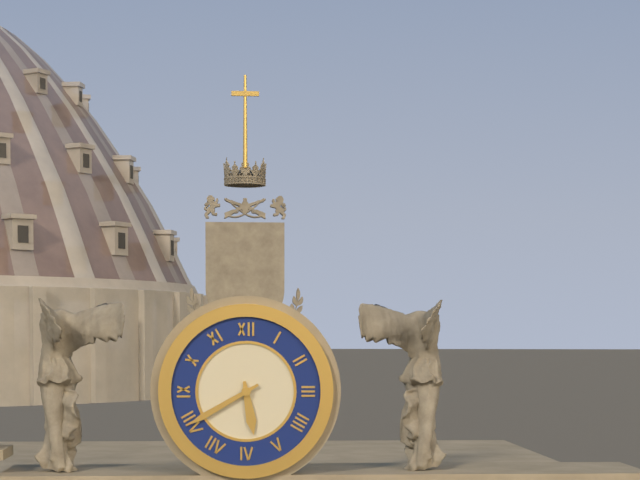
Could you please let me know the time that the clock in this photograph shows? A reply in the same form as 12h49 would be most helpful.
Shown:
5h40
